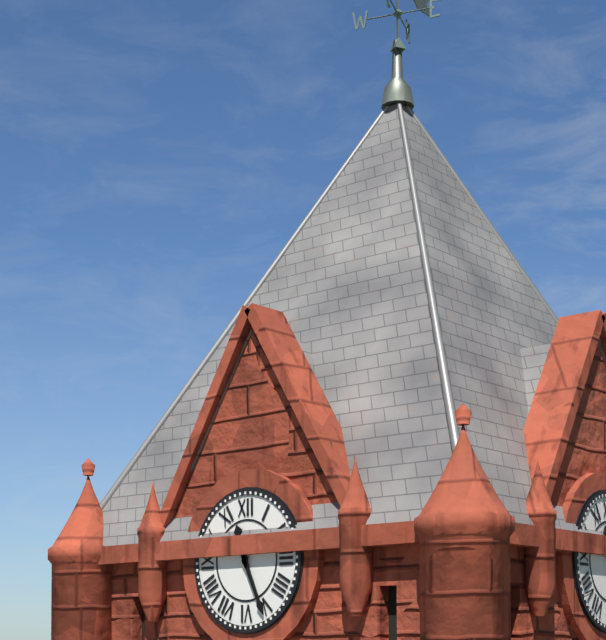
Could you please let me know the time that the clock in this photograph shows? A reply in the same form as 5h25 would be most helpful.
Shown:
11h26
